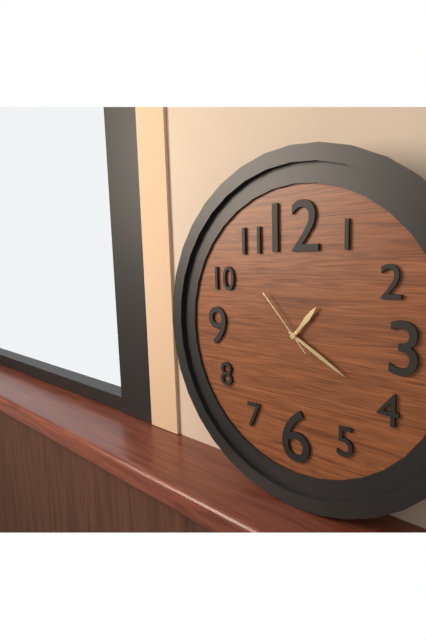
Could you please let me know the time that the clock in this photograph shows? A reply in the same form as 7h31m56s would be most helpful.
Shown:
1h20m53s
